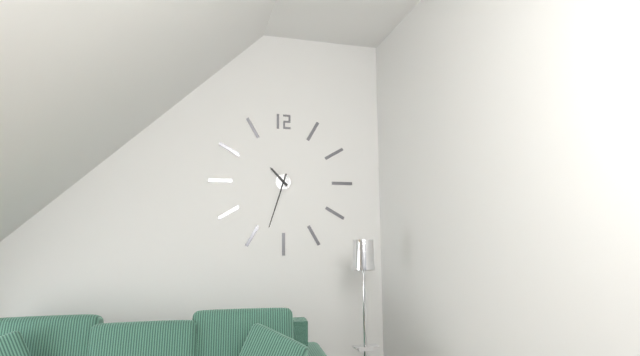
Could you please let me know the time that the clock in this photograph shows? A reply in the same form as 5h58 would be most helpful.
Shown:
10h33
